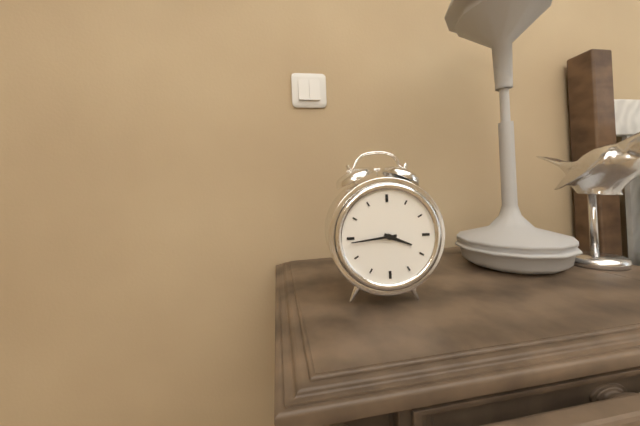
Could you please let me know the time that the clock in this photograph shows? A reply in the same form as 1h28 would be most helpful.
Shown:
3h44
